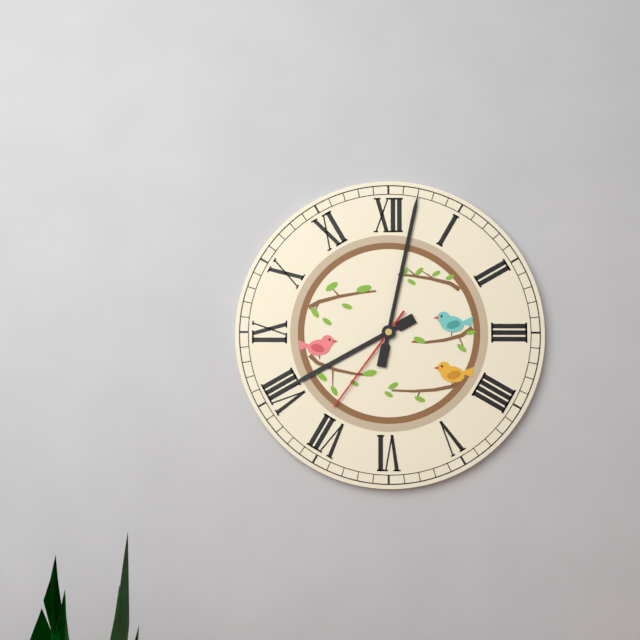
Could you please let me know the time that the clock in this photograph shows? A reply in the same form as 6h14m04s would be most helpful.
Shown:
8h02m36s
